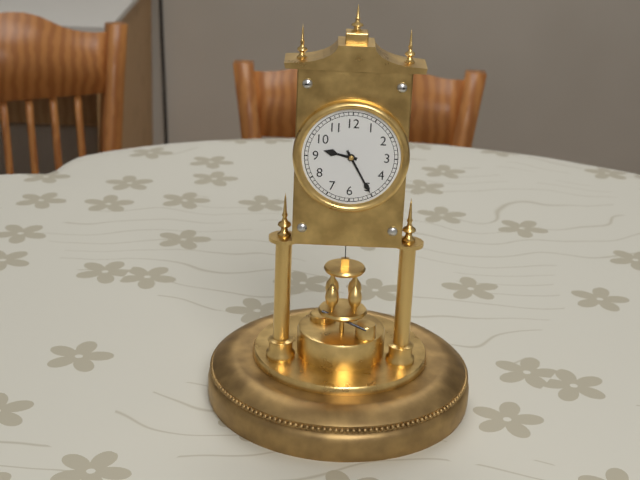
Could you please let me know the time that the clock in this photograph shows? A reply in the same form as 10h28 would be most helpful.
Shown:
9h25
